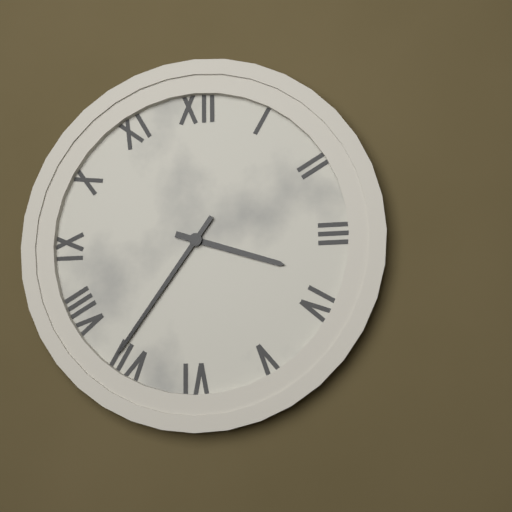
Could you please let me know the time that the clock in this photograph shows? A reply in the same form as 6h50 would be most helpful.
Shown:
3h36
